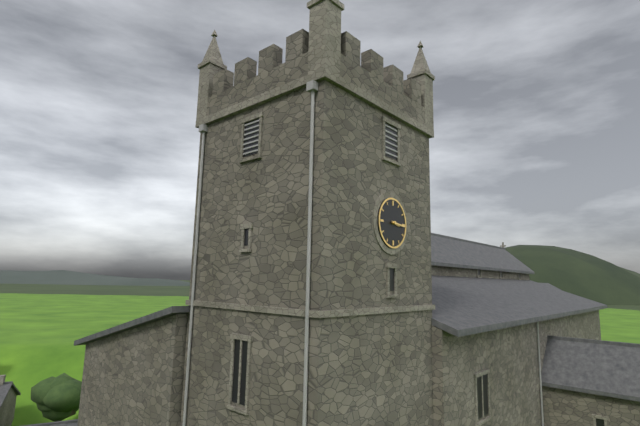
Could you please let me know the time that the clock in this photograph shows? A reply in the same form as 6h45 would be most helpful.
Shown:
3h16
